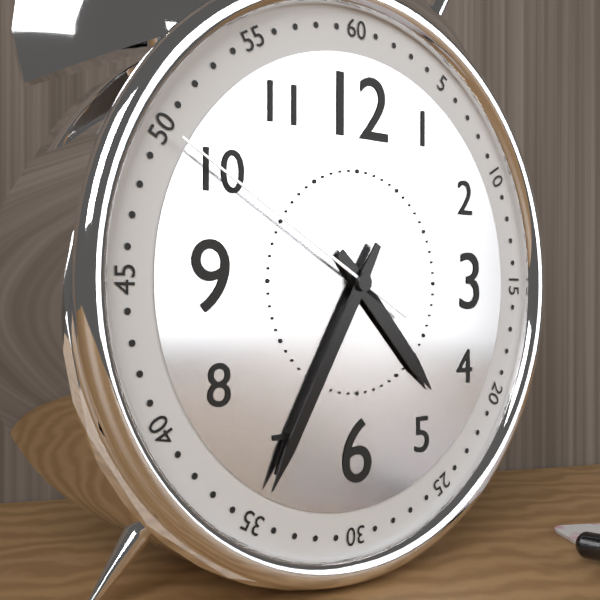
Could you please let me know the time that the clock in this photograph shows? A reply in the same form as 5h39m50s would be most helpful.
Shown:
4h35m50s
